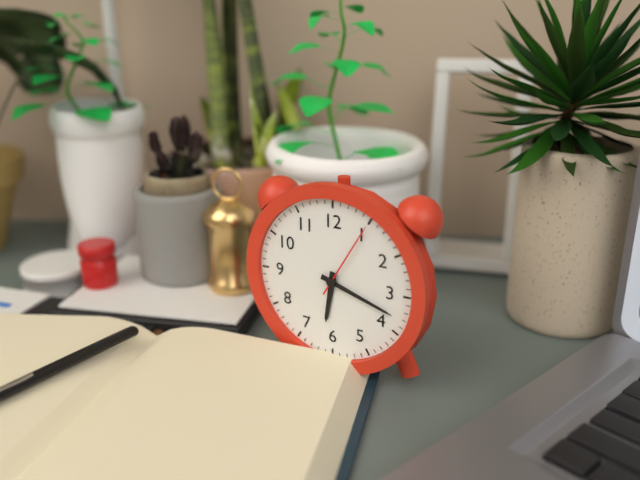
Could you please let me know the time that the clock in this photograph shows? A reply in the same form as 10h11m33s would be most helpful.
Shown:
6h18m05s
